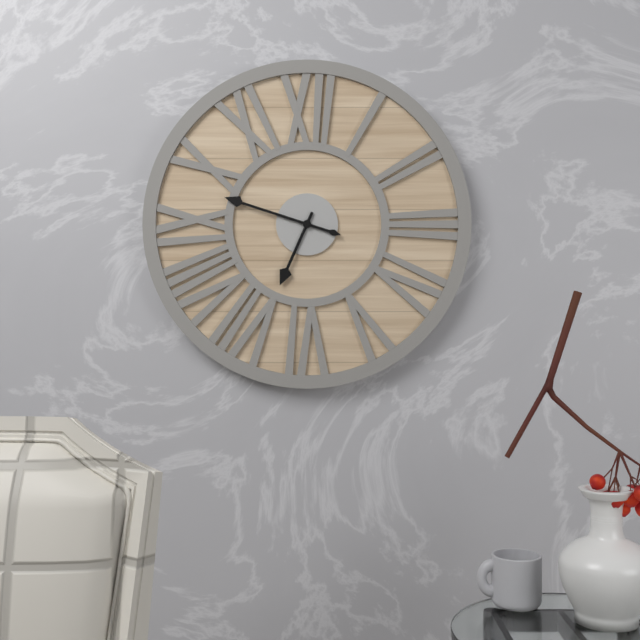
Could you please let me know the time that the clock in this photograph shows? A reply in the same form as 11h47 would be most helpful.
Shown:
6h48
